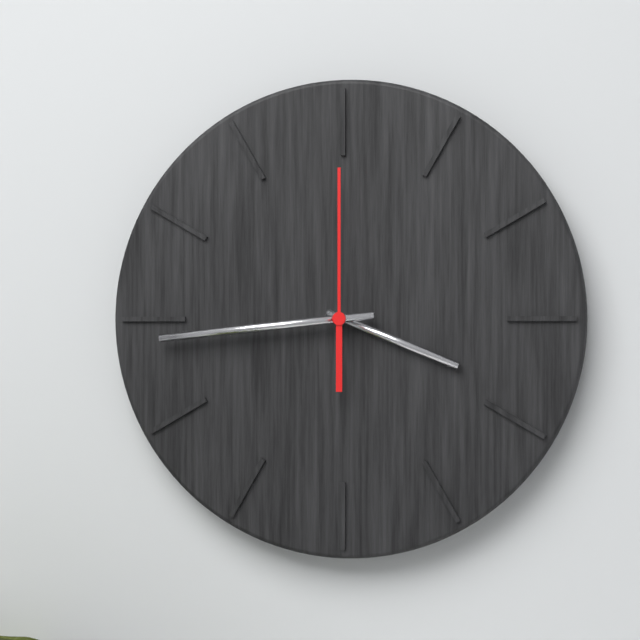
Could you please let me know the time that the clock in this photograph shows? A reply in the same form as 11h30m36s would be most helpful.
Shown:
3h44m00s
